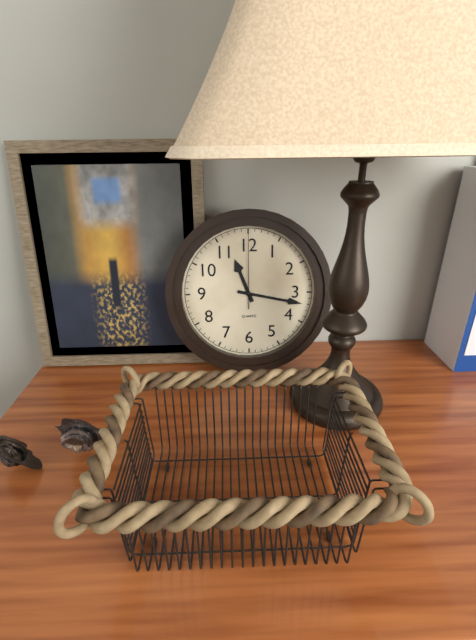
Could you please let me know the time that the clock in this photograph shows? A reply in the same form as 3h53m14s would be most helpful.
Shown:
11h17m00s
